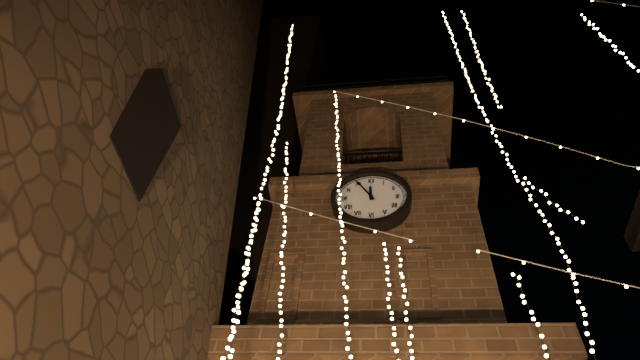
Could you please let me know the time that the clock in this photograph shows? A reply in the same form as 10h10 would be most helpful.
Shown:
11h55
